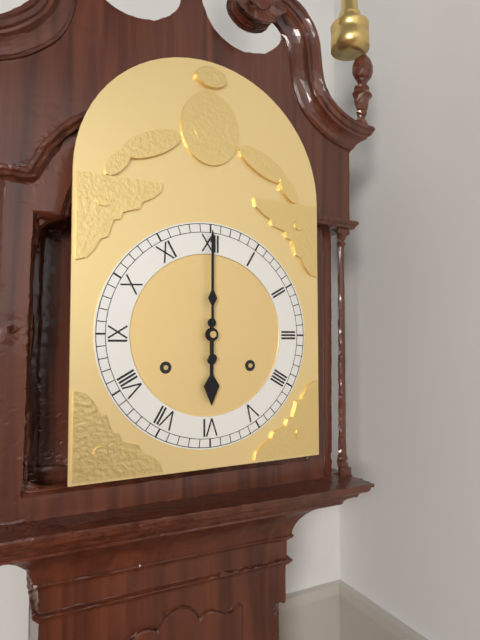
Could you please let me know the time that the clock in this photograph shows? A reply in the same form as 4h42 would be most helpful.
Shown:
6h00
